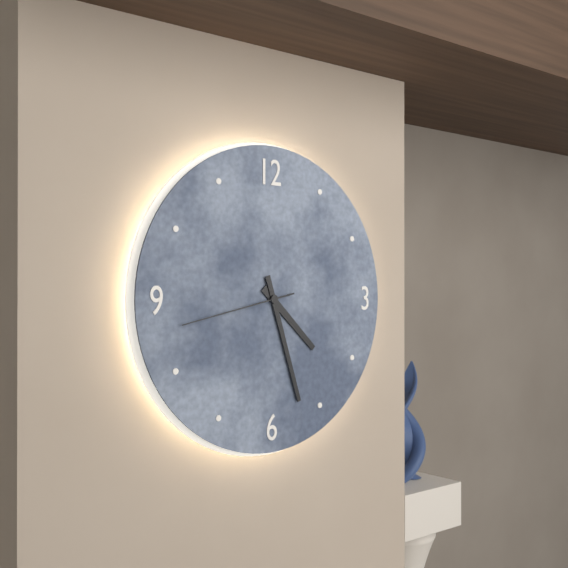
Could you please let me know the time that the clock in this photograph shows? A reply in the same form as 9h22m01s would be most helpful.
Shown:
4h27m43s
